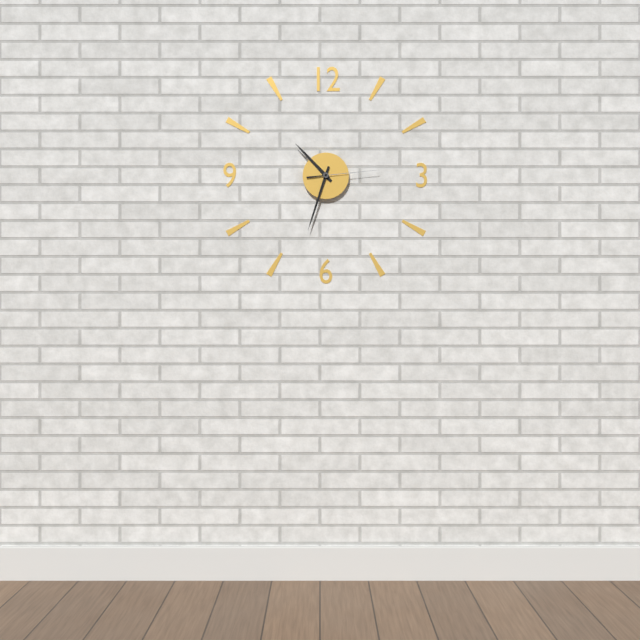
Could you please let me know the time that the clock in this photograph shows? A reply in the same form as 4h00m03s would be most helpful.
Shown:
10h33m14s
